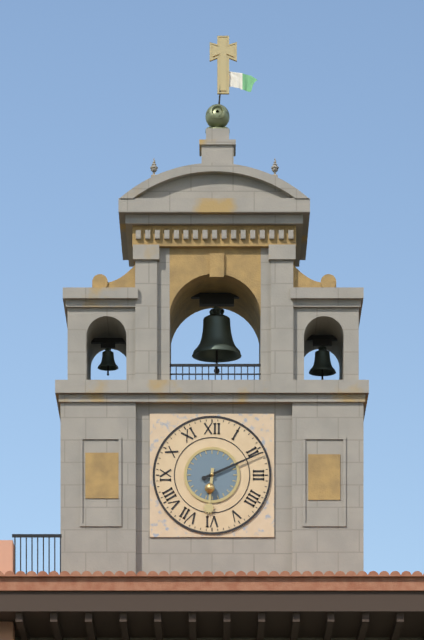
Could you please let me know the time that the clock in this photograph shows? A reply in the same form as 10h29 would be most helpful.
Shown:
6h11
